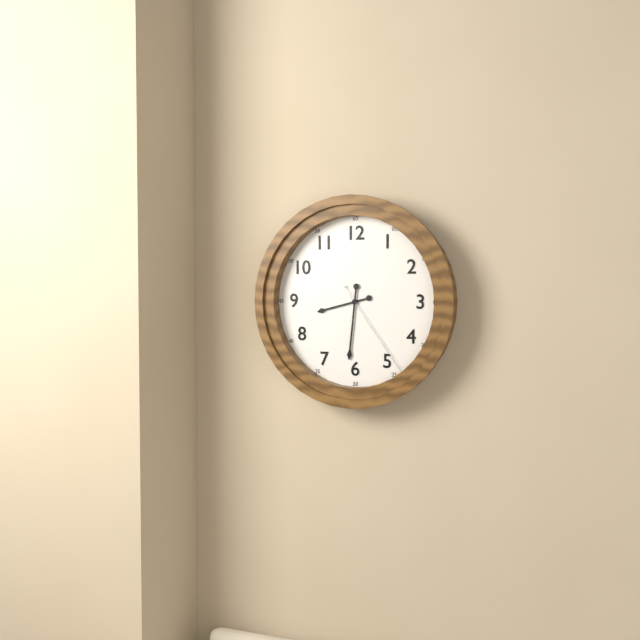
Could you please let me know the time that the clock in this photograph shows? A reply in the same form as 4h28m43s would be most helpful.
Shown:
8h31m24s
